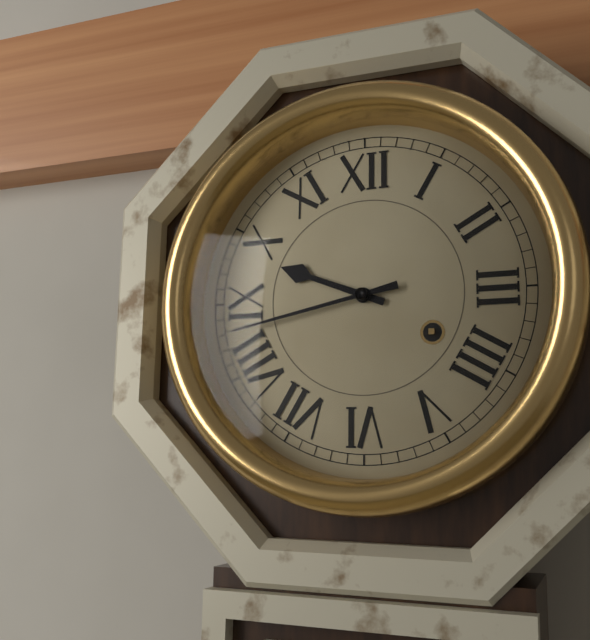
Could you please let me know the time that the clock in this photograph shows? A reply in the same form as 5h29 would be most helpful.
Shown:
9h43
